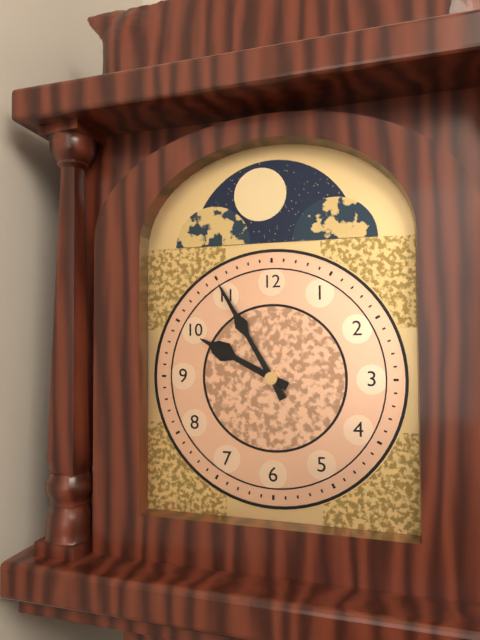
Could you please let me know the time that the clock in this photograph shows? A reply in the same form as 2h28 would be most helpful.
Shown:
9h55
